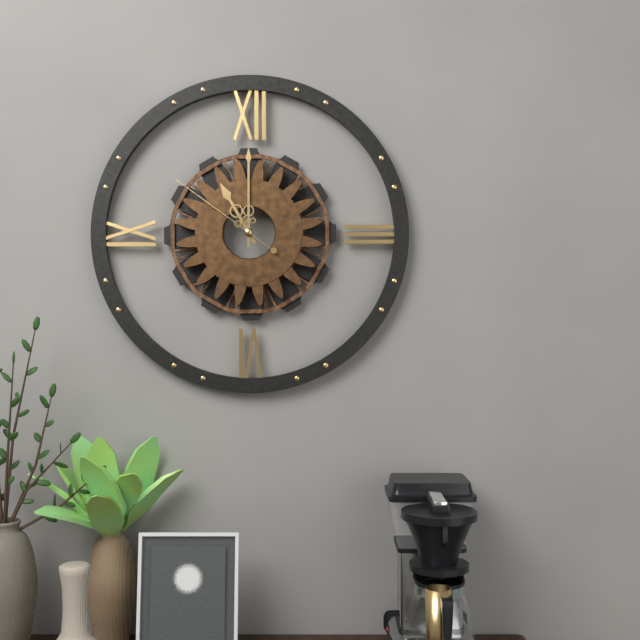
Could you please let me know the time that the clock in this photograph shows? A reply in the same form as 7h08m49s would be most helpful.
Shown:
11h00m51s
